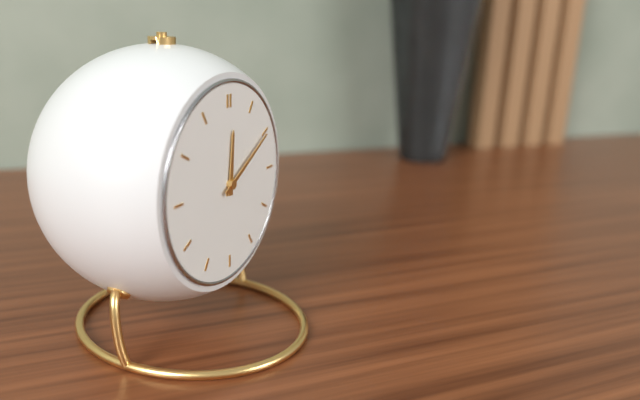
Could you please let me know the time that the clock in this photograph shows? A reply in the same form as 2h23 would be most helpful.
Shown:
12h10
